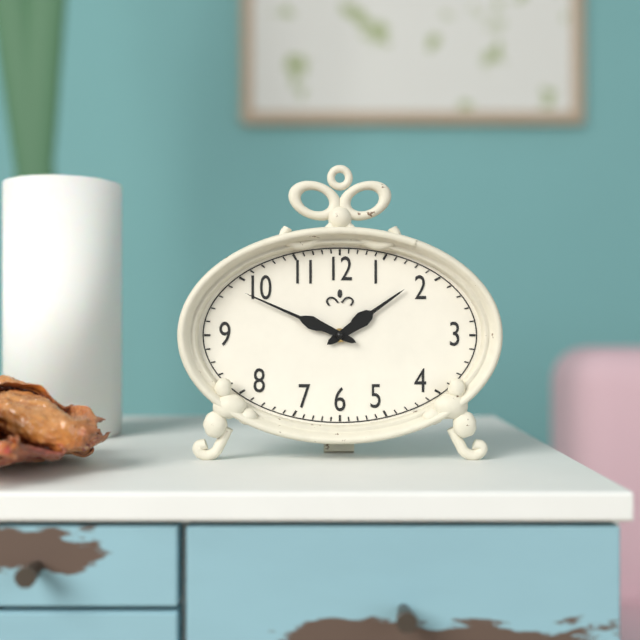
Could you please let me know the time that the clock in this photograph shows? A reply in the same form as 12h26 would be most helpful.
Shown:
1h49
